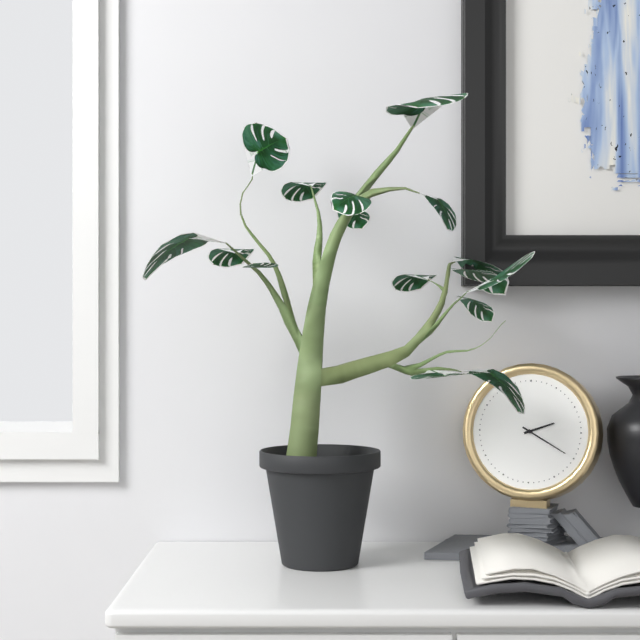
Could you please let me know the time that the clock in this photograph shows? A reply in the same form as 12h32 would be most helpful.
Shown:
2h20
